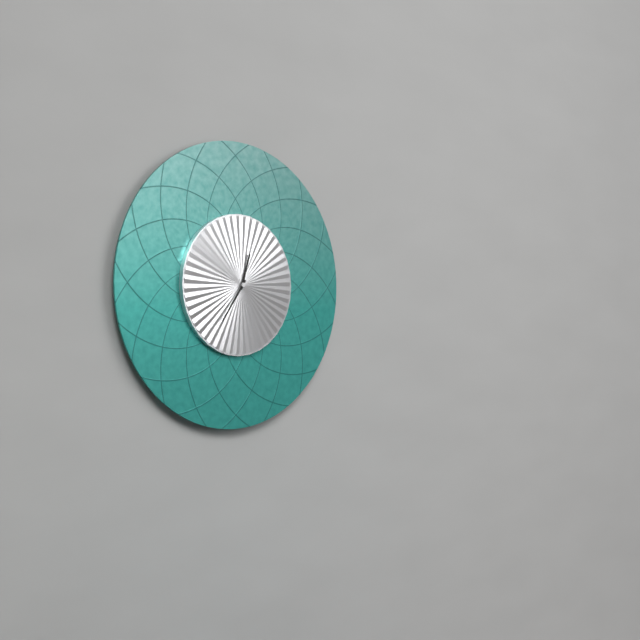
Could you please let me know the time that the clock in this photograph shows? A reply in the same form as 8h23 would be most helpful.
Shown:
12h36
